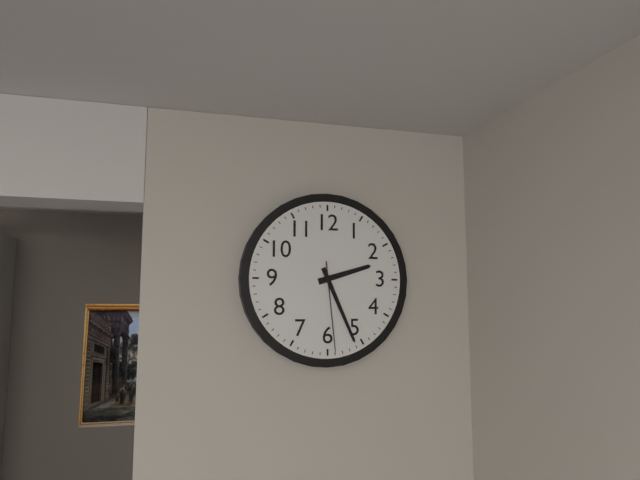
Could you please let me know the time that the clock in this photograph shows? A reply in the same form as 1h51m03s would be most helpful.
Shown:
2h26m29s
